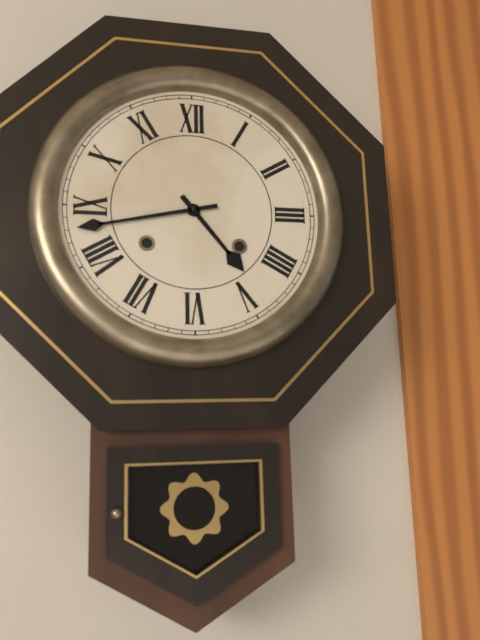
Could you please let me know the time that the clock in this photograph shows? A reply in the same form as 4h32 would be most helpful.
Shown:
4h43
